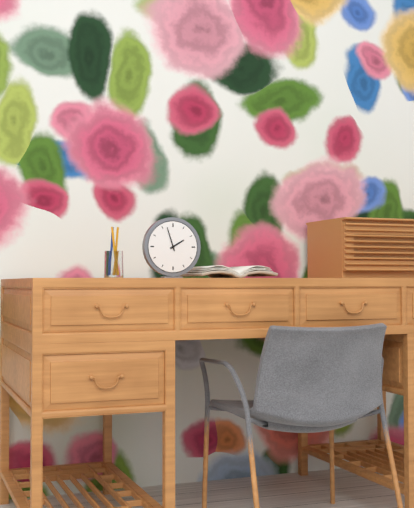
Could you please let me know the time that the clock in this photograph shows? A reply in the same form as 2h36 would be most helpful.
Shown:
1h57
